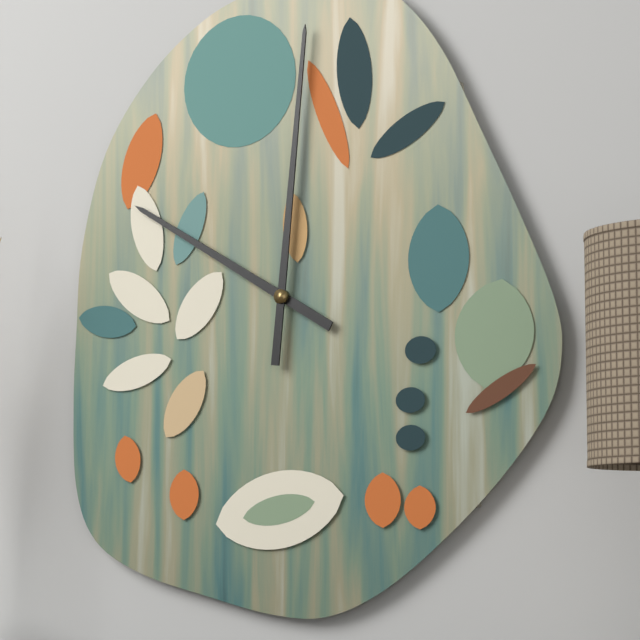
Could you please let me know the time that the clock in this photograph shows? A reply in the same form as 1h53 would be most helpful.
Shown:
10h01
